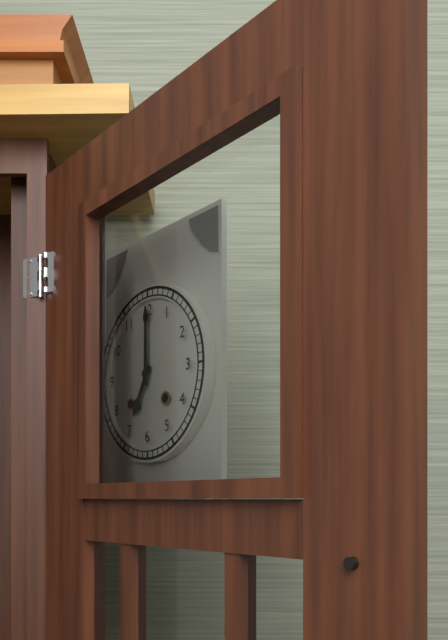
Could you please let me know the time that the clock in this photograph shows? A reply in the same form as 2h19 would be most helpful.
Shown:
7h00
